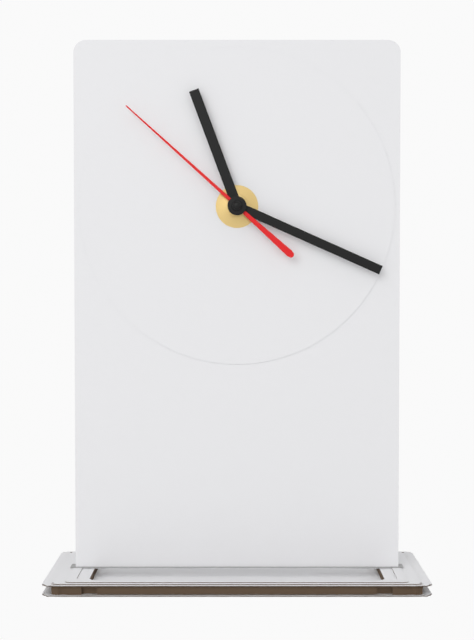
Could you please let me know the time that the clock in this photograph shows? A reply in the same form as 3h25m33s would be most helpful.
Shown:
11h19m52s
